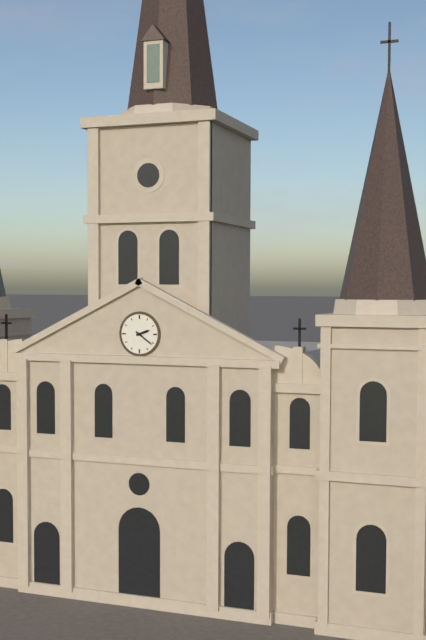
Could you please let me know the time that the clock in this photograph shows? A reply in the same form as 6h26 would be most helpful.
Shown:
2h21
